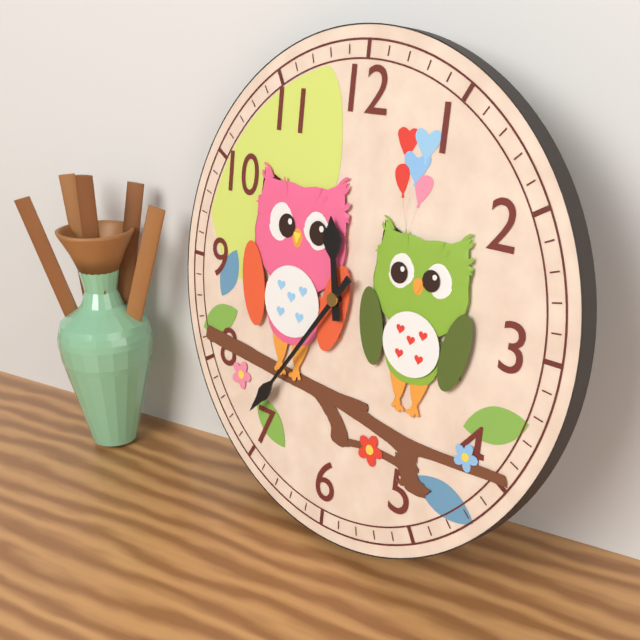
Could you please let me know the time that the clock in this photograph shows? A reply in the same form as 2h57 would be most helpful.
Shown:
11h36
